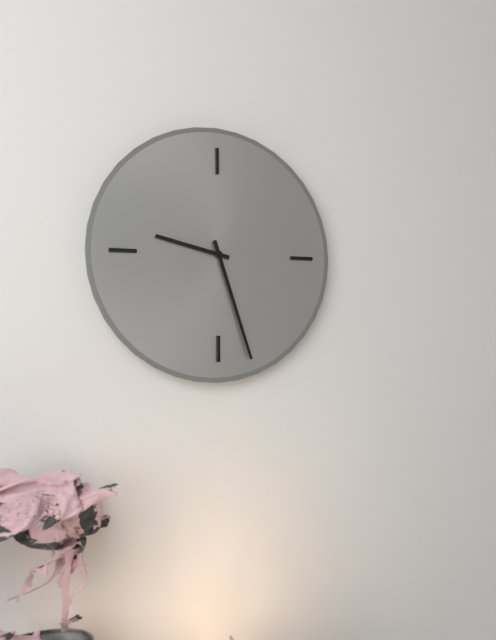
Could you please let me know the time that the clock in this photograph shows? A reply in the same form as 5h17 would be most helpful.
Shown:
9h27
